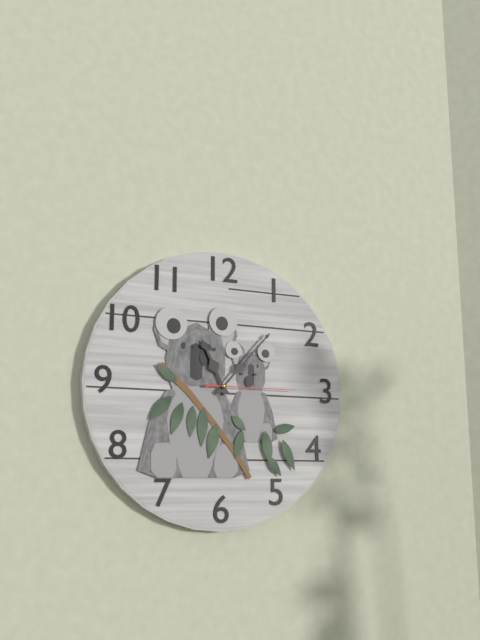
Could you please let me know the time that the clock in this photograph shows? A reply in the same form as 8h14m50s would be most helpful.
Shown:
11h07m15s
